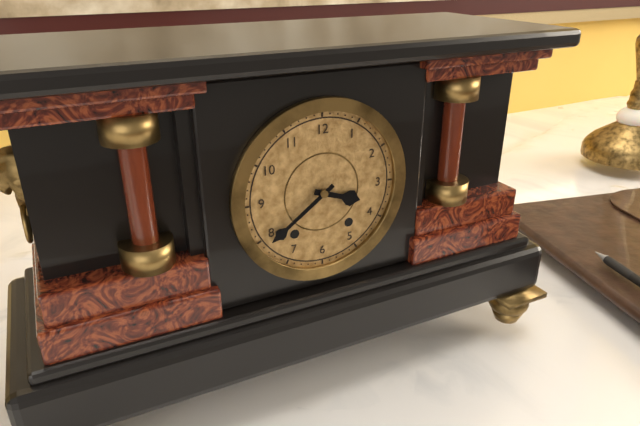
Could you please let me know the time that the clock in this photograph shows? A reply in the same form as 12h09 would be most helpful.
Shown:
3h39
